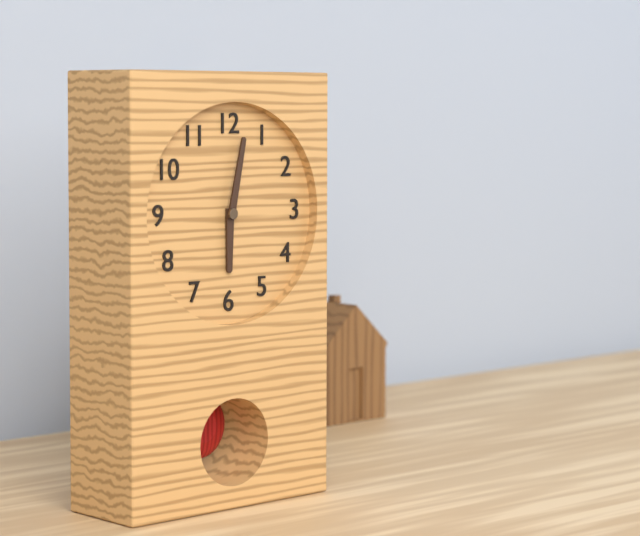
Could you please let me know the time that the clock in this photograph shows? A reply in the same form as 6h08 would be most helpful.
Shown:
6h02
